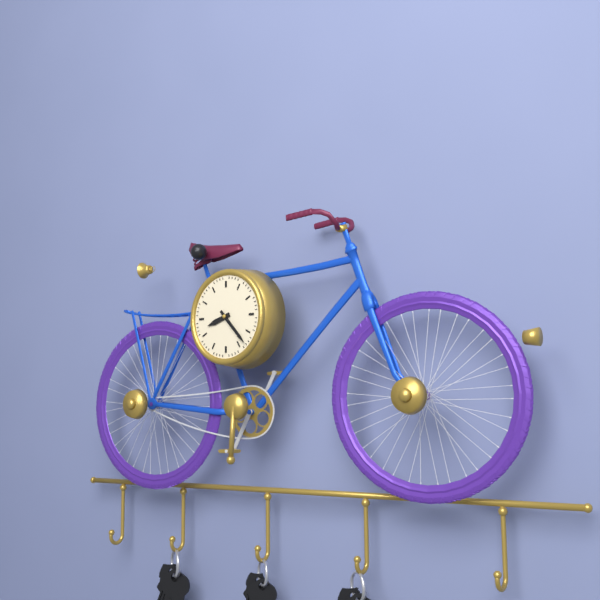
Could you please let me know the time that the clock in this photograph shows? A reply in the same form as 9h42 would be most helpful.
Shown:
8h23
